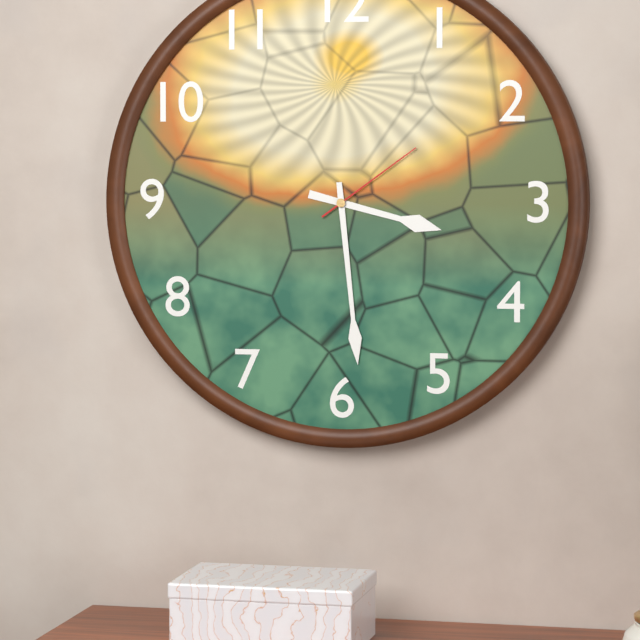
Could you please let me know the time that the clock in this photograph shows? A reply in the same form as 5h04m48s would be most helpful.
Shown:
3h29m09s
